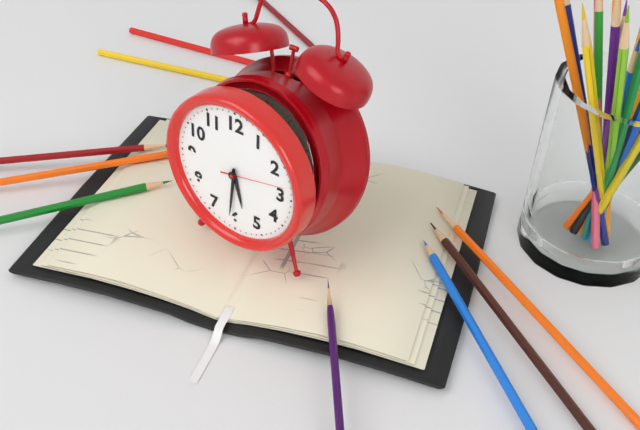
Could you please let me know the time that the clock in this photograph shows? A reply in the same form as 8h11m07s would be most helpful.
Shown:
5h31m13s
